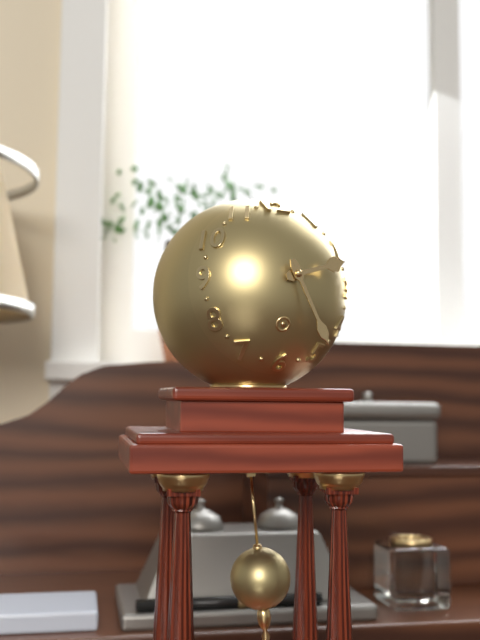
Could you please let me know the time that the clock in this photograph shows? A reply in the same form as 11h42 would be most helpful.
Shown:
2h26
